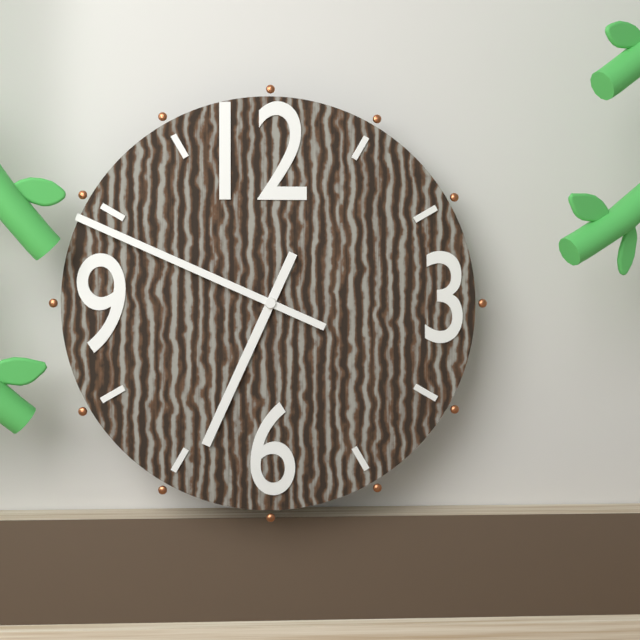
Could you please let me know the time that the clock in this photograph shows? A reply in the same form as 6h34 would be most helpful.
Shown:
6h49
